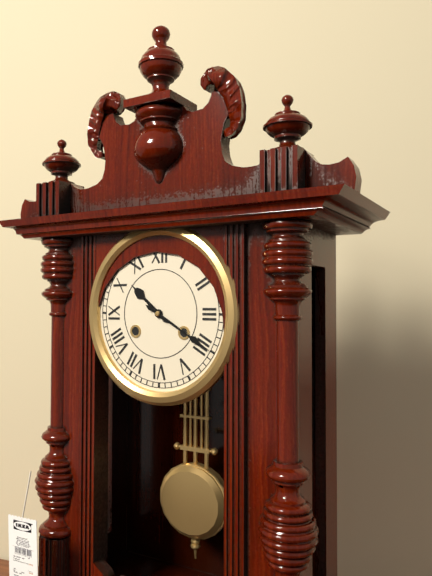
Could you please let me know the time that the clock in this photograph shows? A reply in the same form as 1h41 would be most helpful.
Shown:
10h20
